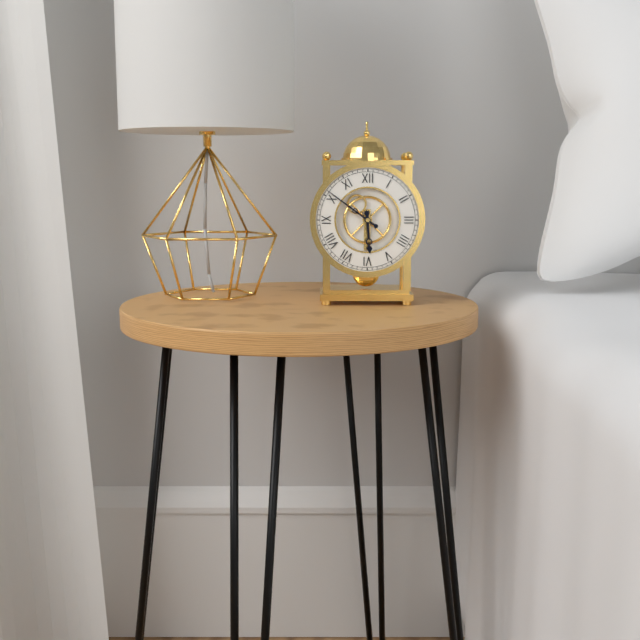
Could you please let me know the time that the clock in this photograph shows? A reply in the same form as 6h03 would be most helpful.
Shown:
5h51
